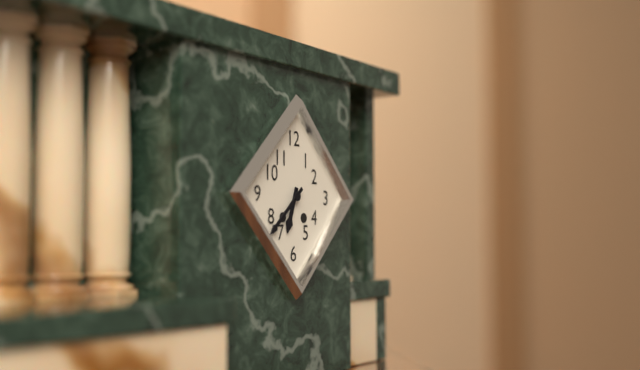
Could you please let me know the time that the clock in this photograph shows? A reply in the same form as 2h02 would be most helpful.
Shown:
6h38
